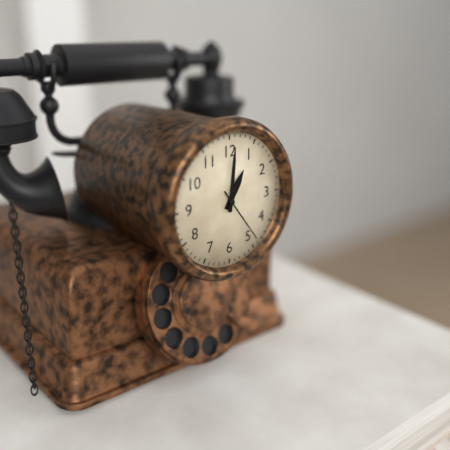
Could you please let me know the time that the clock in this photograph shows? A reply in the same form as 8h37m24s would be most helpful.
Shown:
1h01m24s
